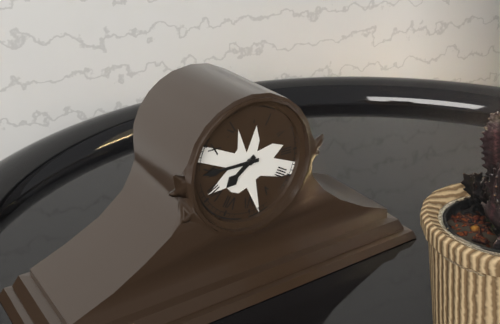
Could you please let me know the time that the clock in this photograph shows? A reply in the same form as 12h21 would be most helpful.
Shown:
7h45
